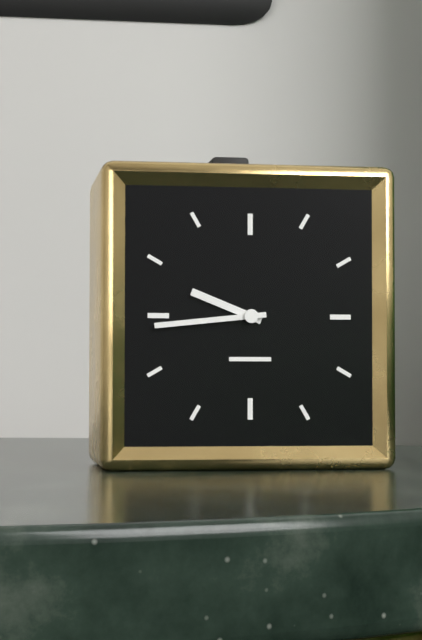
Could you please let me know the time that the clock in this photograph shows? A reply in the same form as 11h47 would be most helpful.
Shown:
9h44
